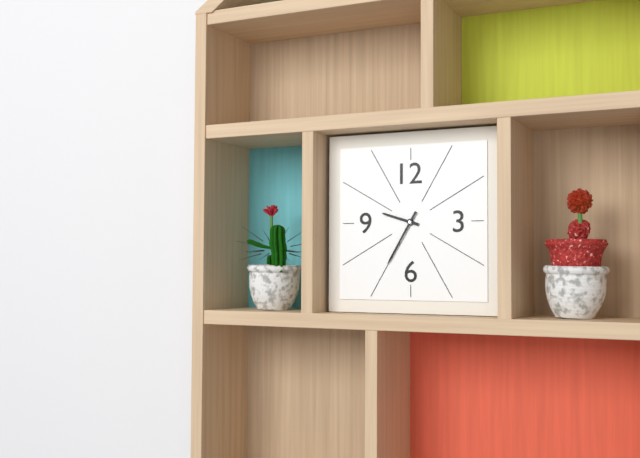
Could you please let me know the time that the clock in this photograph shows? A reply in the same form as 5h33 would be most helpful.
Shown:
9h35
